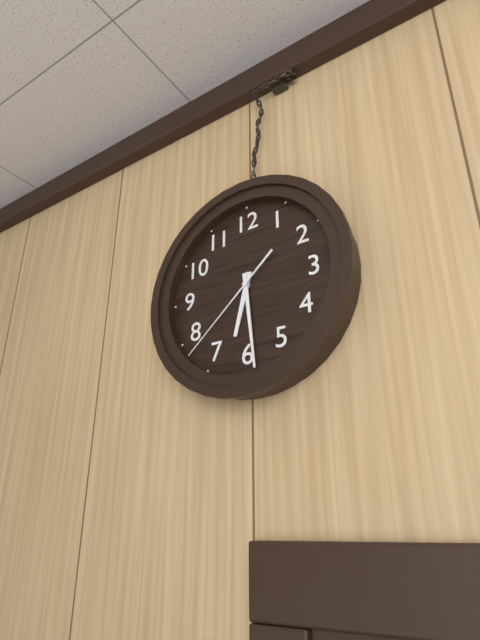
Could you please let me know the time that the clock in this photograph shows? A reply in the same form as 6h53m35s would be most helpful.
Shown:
6h29m38s
